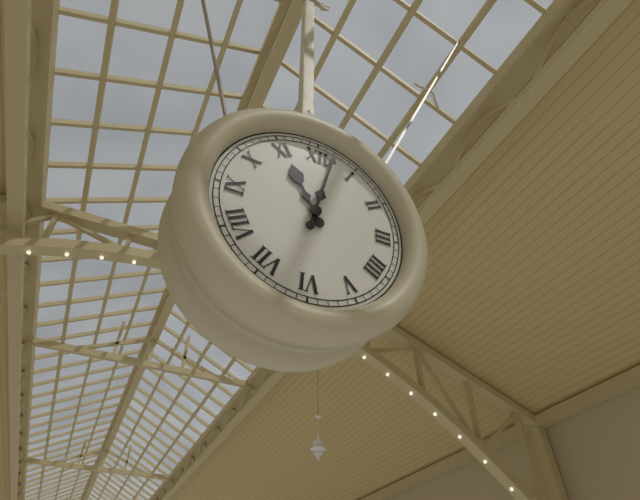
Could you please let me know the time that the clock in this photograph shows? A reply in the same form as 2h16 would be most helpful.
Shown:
11h02
